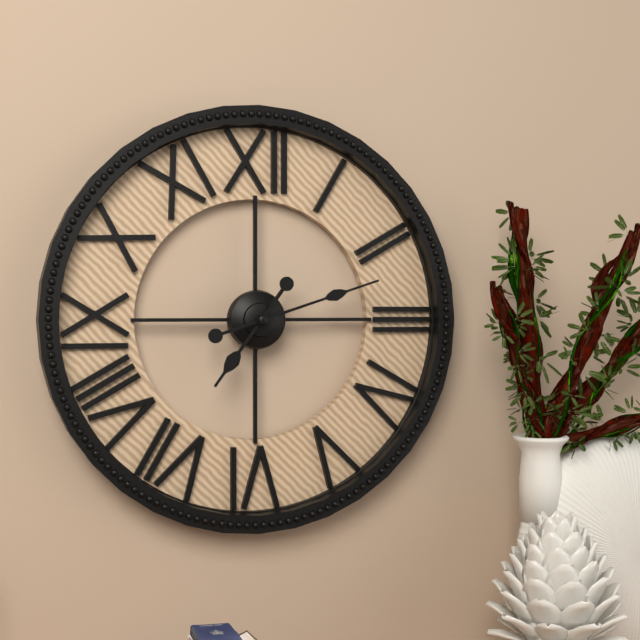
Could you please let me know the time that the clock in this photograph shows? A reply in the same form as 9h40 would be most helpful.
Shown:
7h12
